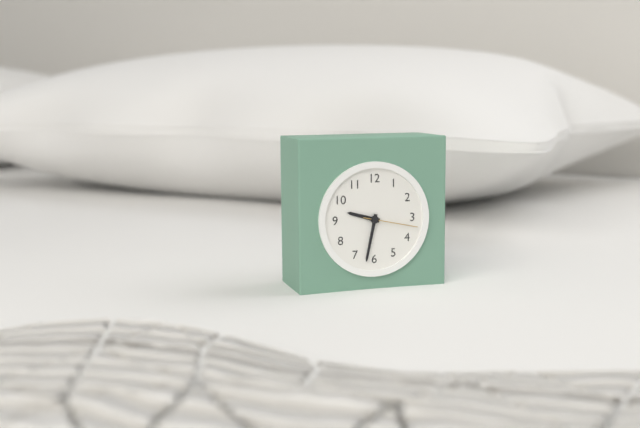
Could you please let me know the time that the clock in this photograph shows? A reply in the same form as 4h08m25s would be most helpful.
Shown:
9h32m17s
